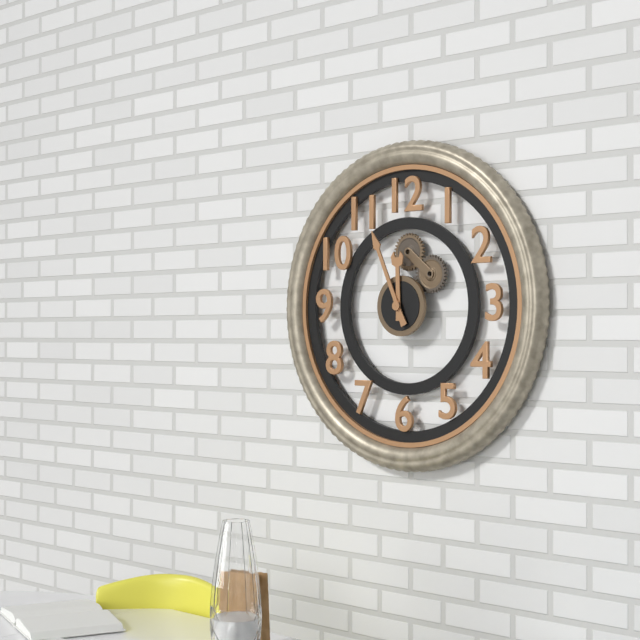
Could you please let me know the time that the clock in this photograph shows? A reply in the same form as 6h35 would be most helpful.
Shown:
11h56
